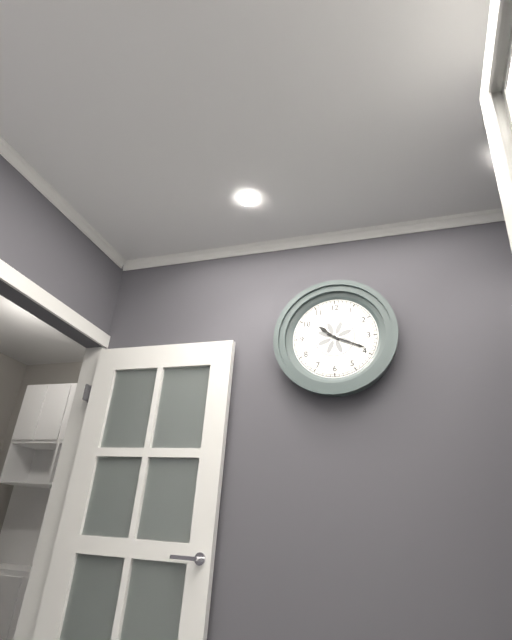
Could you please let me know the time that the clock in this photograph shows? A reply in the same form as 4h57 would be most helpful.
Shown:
10h19
